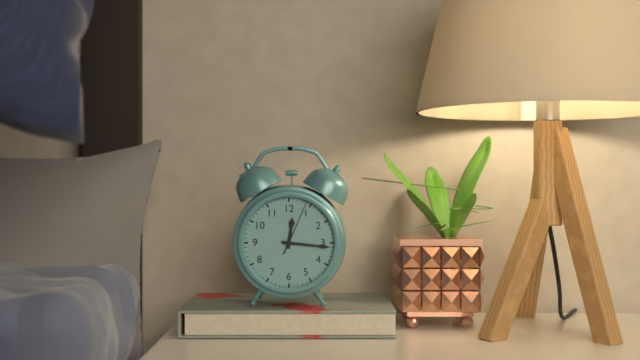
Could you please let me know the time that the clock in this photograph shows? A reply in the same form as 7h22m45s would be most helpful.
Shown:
12h16m04s
